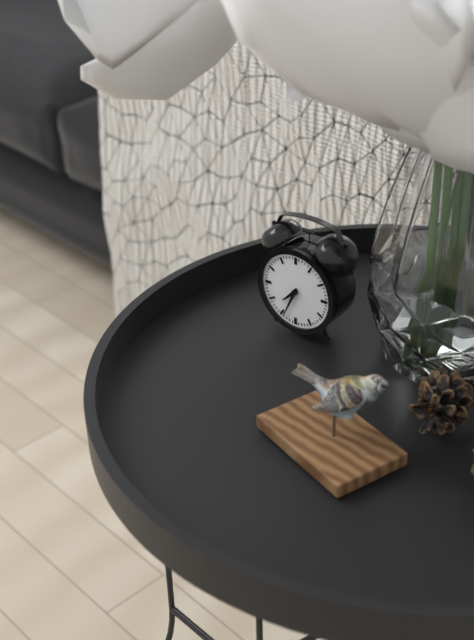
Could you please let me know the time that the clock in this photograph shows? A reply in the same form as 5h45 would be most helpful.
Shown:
7h34
